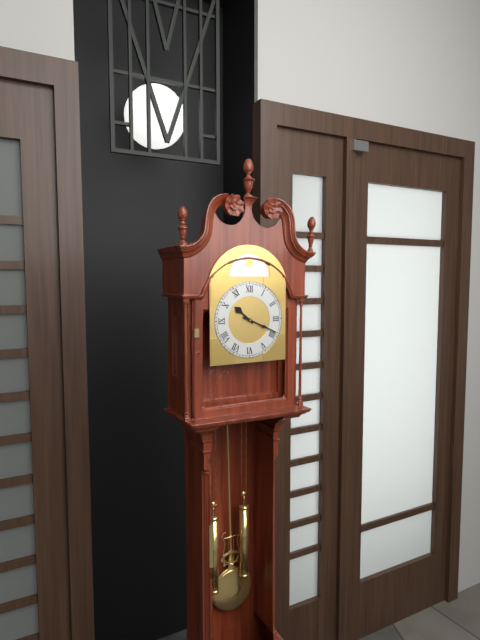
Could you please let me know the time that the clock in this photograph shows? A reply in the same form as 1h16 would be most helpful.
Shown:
10h19
